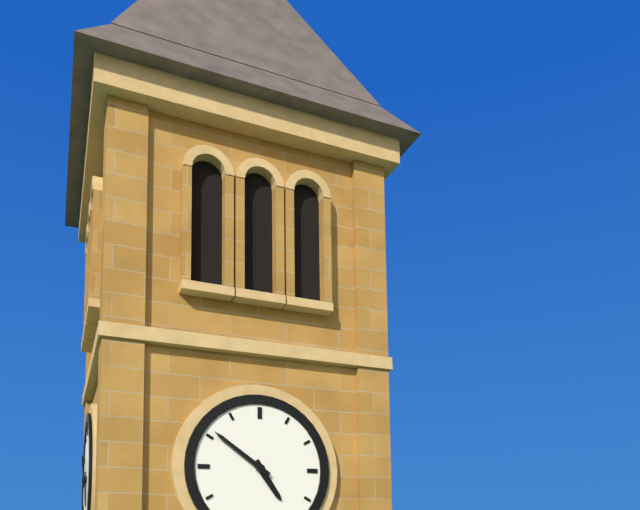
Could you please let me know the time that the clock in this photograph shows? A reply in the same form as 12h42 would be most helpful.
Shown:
4h51
